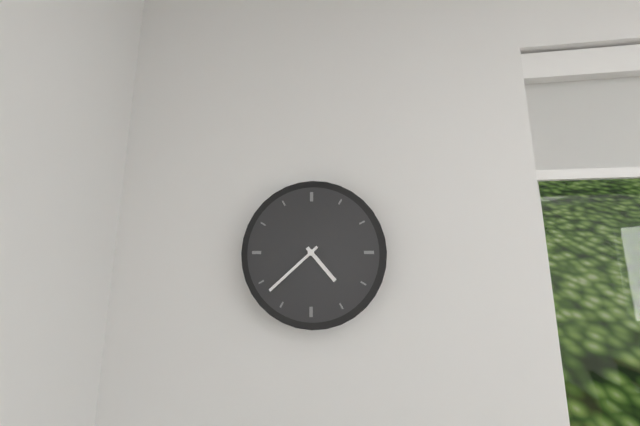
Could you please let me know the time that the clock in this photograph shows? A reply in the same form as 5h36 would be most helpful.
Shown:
4h38
